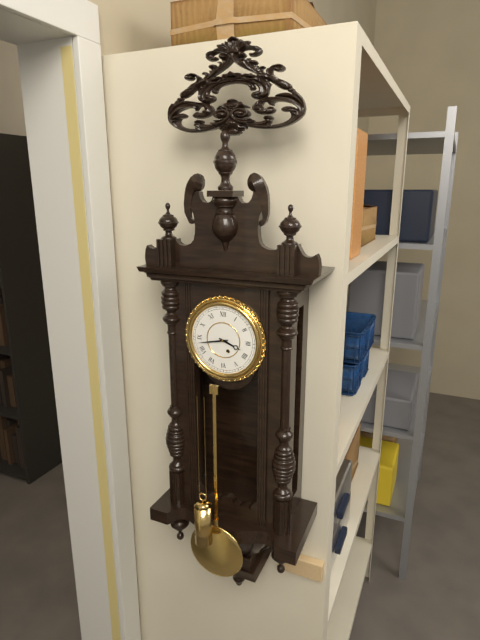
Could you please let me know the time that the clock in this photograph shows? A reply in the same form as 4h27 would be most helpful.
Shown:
3h43
